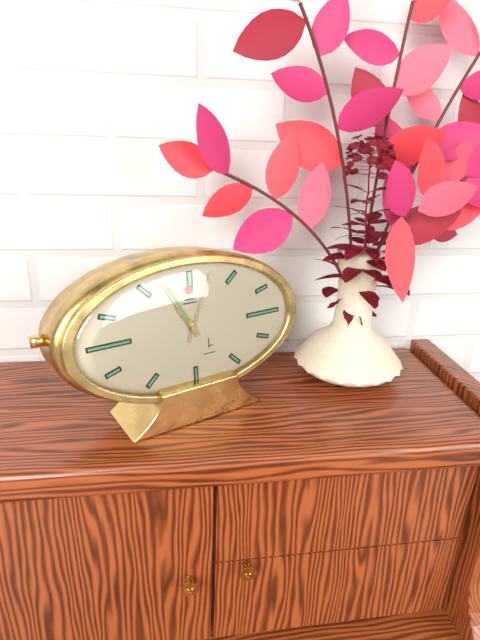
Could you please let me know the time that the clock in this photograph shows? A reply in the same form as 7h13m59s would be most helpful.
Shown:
10h55m04s
